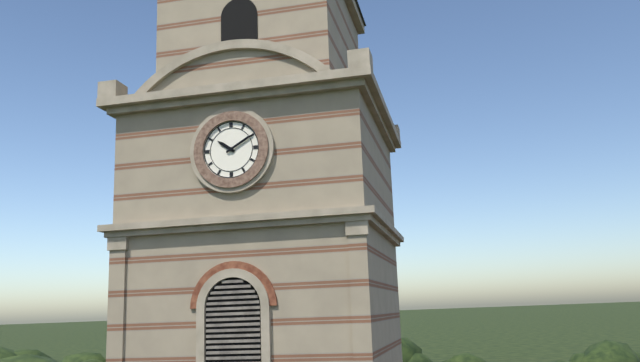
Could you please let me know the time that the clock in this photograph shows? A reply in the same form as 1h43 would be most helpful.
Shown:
10h10
